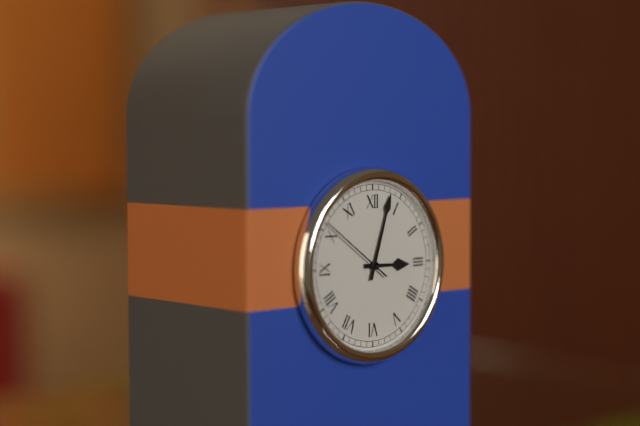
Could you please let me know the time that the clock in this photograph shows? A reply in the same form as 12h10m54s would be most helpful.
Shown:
3h03m51s
